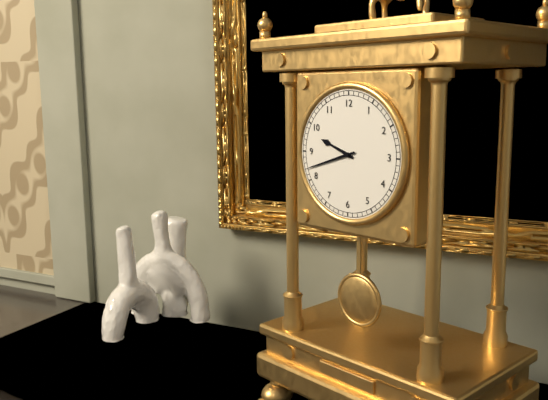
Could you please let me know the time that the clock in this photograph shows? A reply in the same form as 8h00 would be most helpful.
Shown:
9h42
